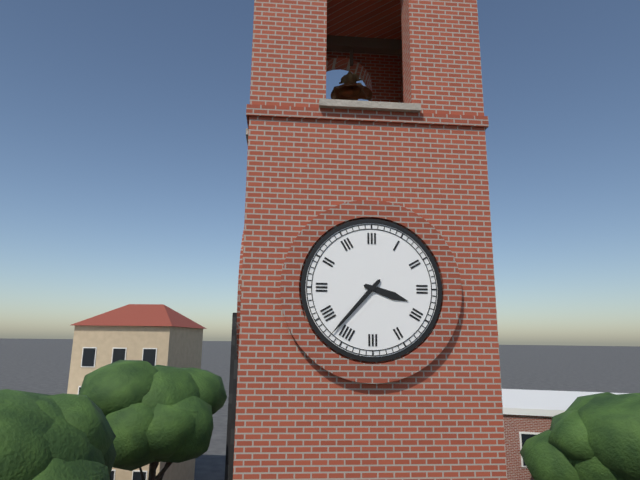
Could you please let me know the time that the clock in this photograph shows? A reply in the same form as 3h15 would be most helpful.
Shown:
3h37
